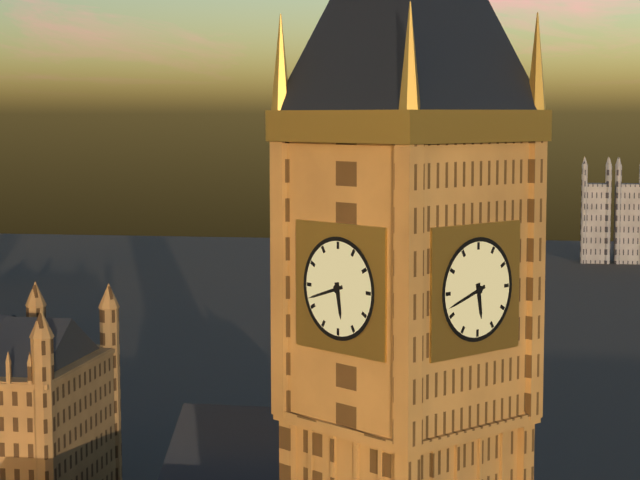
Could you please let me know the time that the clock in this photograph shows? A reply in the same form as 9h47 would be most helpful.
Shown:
5h42
